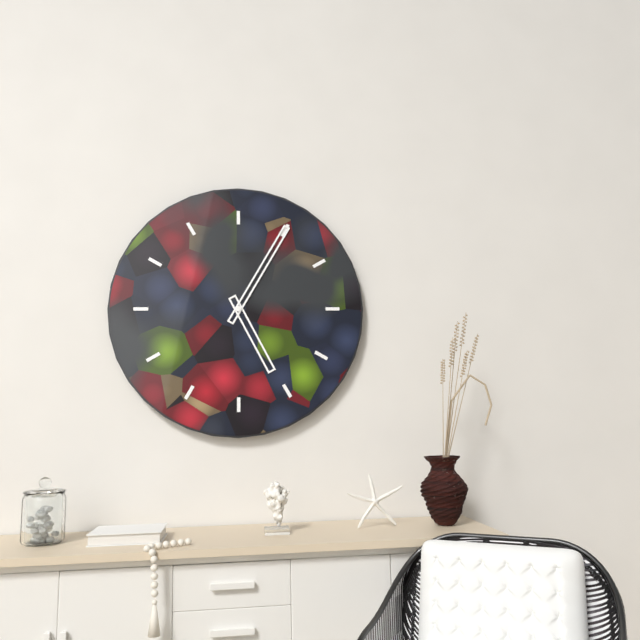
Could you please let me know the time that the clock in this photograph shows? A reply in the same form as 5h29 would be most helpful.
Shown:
5h05
